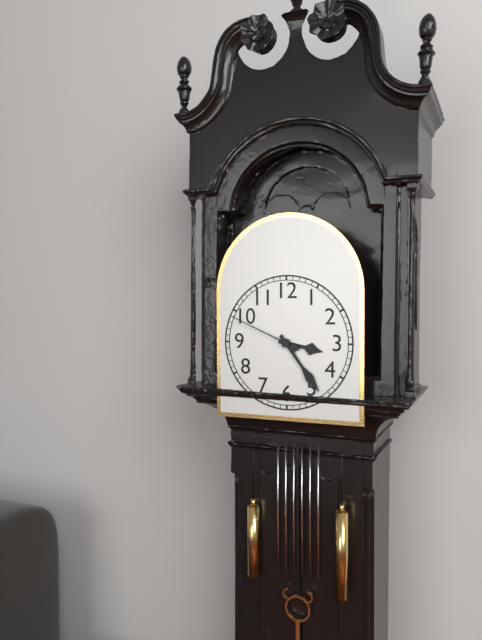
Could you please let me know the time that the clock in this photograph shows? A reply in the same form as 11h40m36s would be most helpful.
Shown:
3h24m49s
